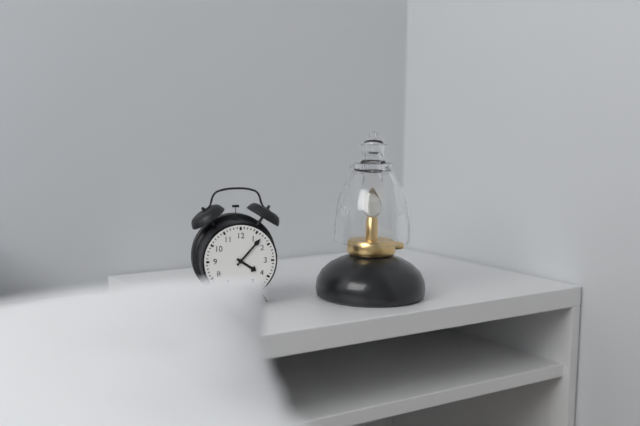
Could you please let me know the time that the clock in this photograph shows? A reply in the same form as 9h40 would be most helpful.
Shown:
4h07
